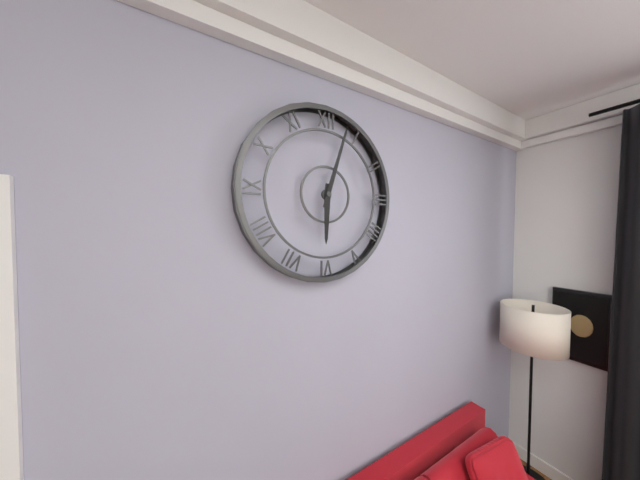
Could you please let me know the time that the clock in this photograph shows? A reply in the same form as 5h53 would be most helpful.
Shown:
6h03
